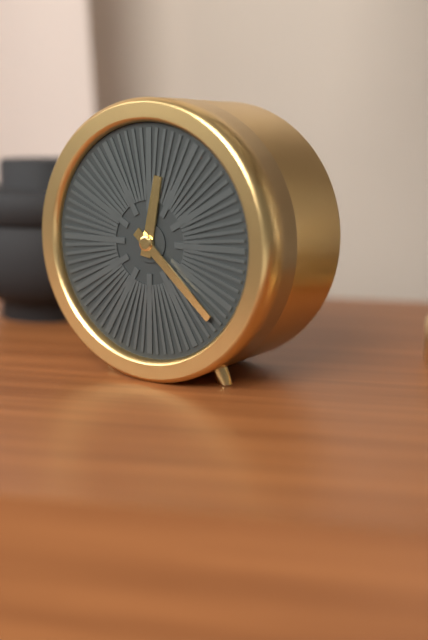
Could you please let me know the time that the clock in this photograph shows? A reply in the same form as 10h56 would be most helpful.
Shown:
12h22
